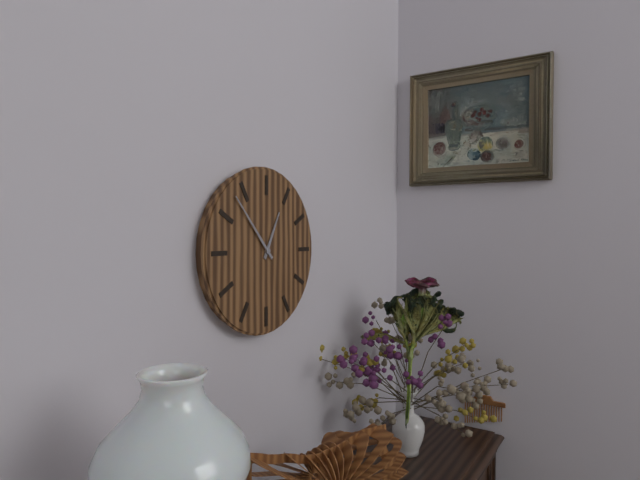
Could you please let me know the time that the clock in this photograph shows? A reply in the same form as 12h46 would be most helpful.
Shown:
12h53
